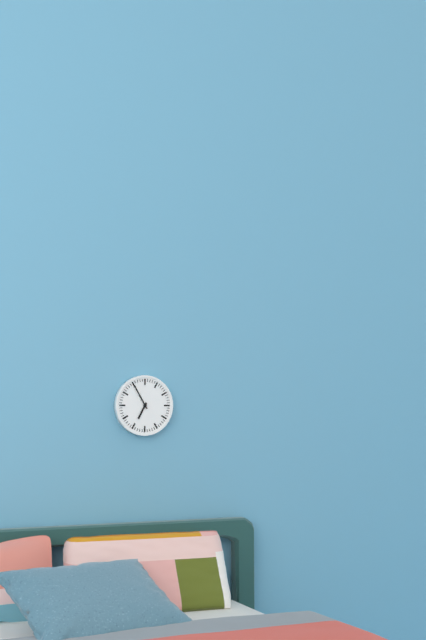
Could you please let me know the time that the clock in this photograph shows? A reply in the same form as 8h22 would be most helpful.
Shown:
6h55
